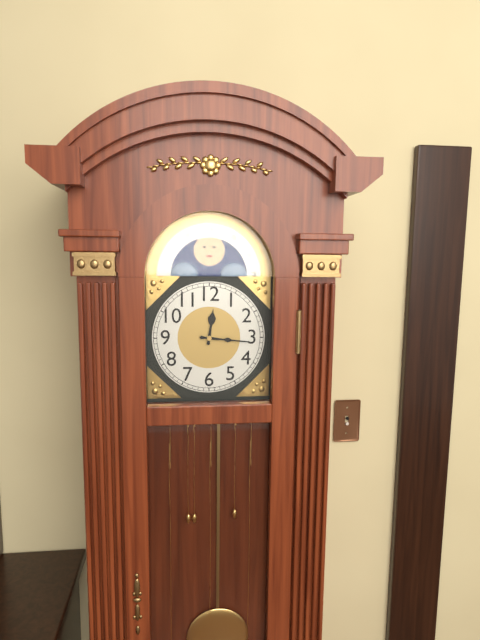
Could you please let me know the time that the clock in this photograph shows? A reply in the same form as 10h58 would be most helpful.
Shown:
12h16
